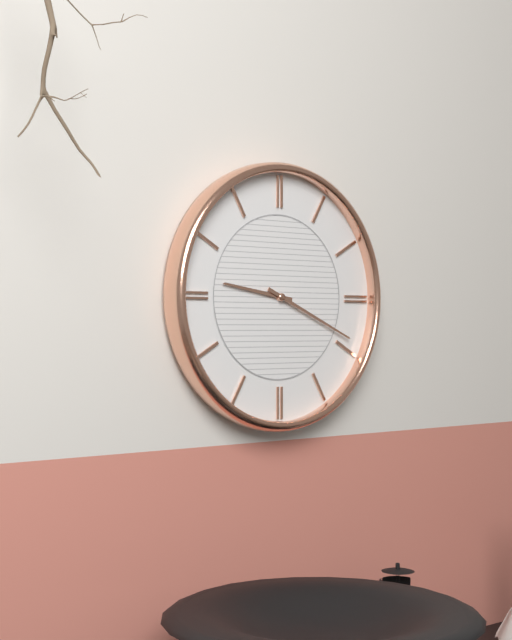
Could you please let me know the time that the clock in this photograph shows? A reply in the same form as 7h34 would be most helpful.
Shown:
9h19
